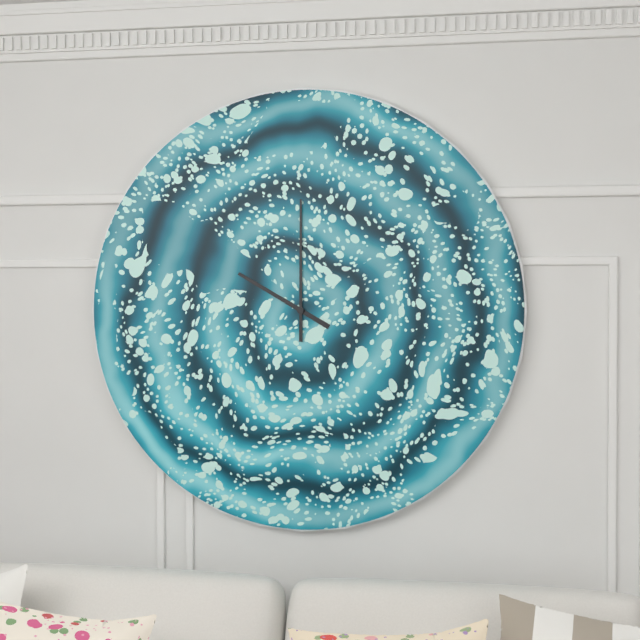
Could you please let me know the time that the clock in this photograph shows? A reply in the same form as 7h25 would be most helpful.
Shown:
10h00
